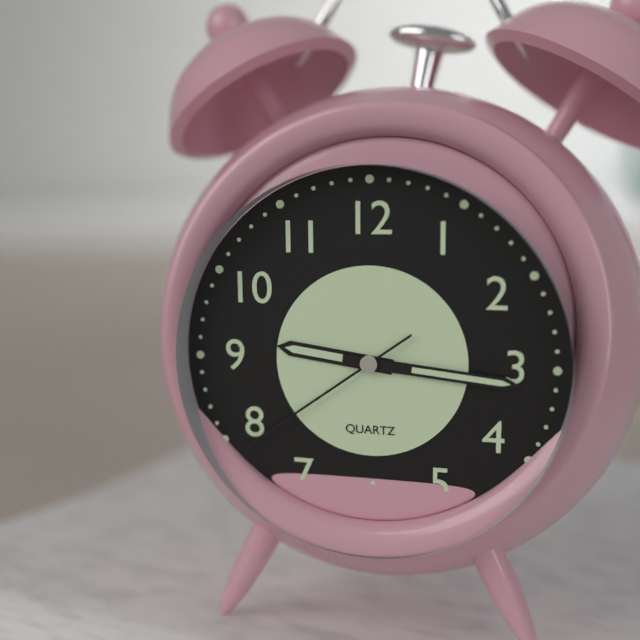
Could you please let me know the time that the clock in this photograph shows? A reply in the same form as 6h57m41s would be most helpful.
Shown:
9h16m39s
